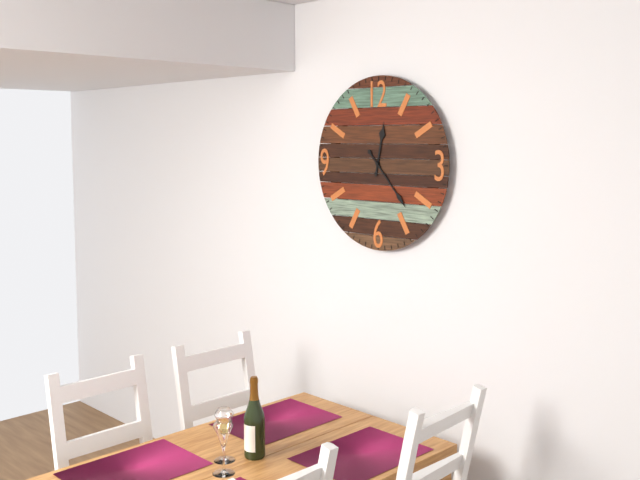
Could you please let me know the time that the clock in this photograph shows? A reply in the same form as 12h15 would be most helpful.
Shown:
12h23
